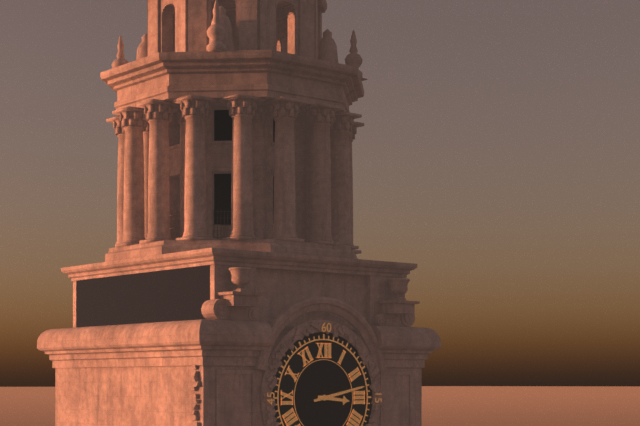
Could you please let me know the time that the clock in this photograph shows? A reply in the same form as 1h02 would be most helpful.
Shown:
3h13
